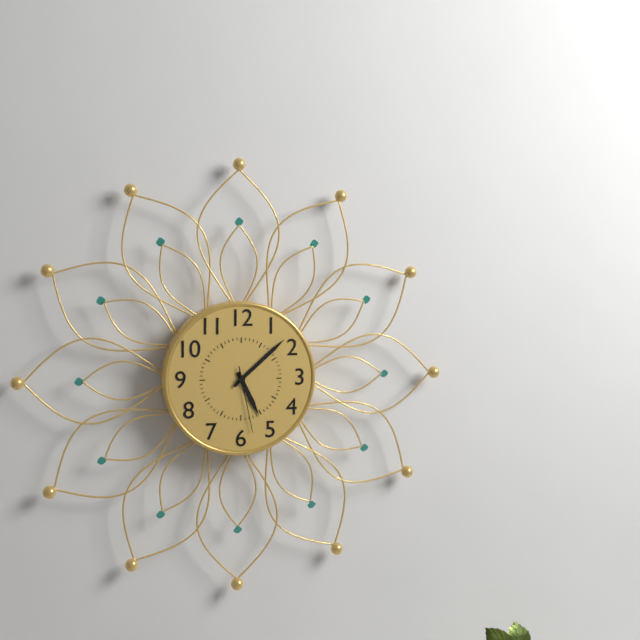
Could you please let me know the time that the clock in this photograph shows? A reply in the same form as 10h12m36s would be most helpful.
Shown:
5h08m28s
